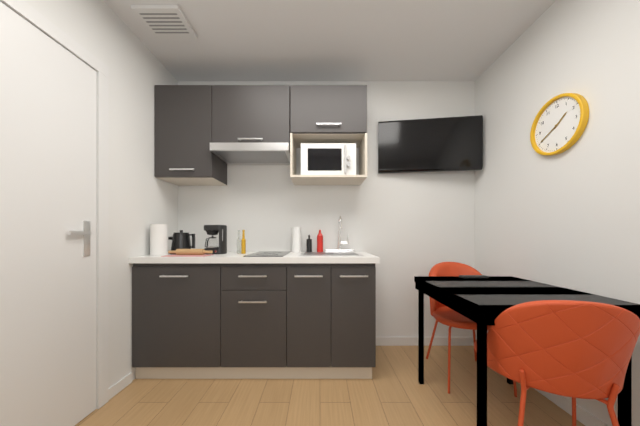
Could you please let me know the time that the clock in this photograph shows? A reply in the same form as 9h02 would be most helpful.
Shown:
1h40
